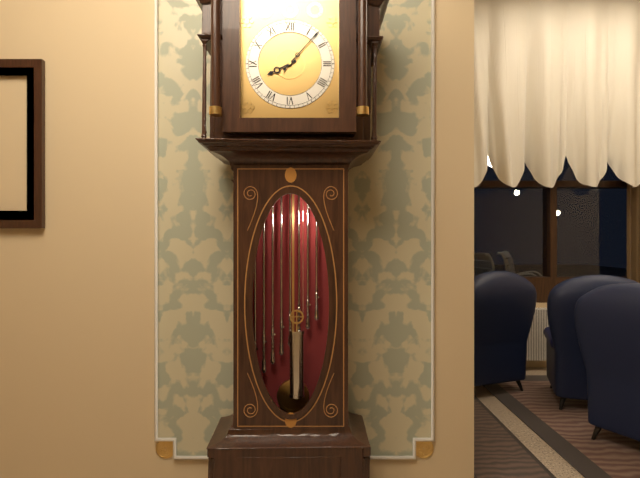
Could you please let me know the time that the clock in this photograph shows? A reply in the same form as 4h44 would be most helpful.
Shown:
8h07
